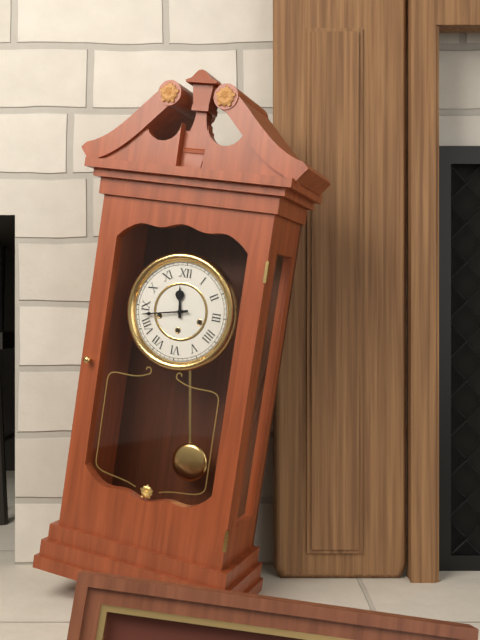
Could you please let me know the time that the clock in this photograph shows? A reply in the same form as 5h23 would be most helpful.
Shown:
11h43
